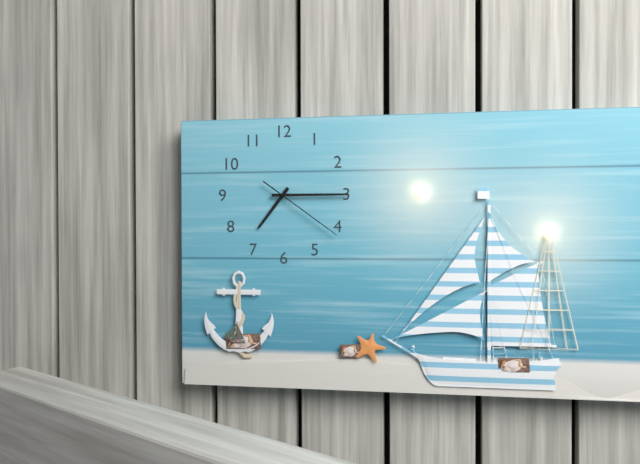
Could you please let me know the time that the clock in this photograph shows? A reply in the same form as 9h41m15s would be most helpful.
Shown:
7h15m21s
